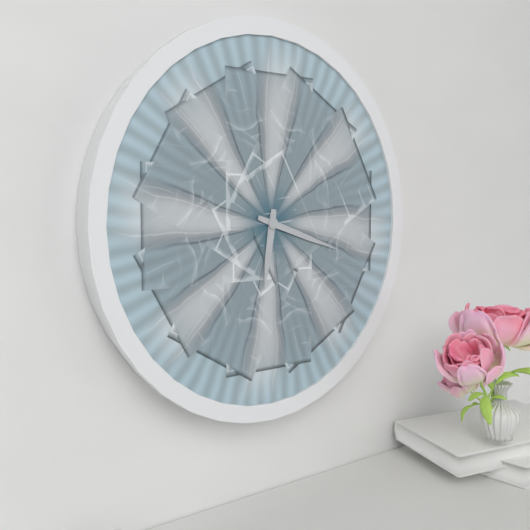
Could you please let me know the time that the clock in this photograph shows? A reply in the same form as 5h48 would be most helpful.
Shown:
6h18
